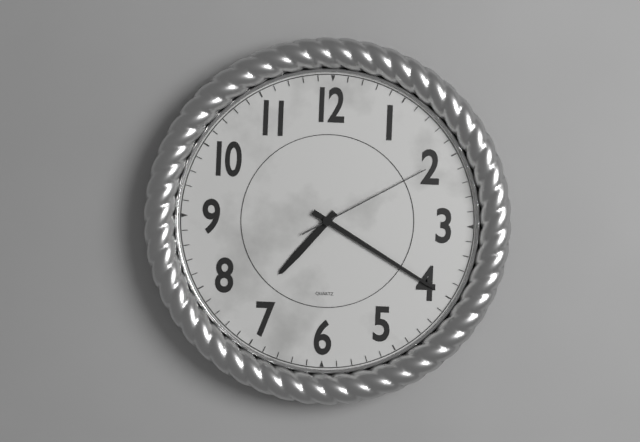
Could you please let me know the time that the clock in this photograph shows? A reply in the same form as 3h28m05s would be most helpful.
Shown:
7h20m10s
